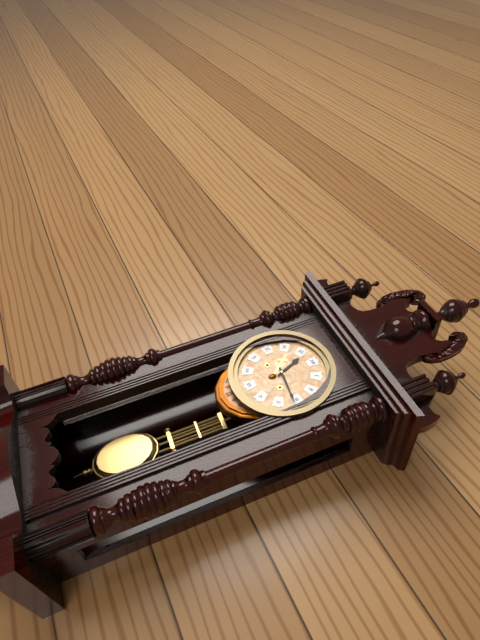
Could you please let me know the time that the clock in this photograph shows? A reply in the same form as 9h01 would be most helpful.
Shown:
11h16
